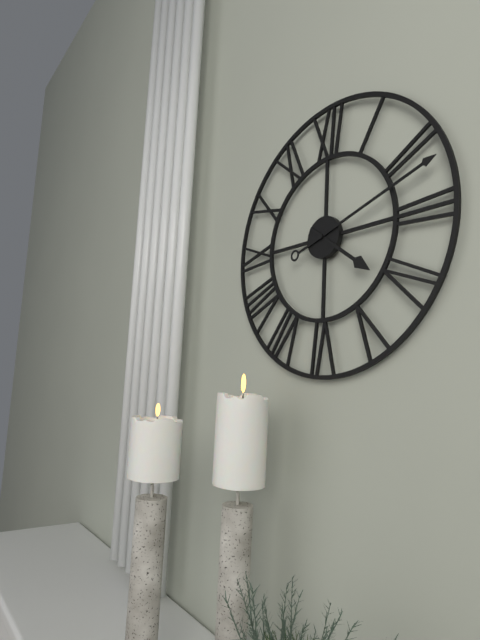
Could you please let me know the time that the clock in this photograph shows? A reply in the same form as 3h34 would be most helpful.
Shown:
4h12
